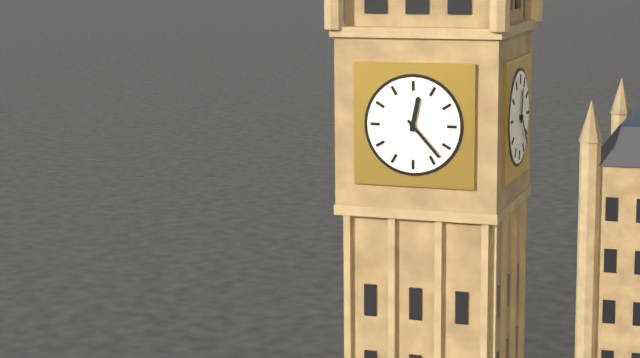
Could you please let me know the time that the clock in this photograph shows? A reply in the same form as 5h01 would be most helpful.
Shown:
12h23
